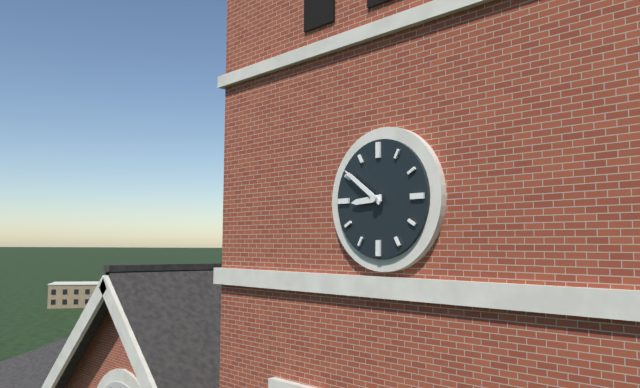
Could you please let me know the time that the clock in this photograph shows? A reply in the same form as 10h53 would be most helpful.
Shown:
8h51
